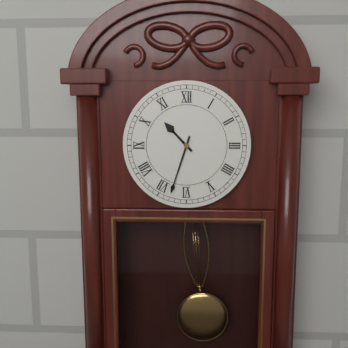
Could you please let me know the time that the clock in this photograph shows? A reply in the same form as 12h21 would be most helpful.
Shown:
10h33
